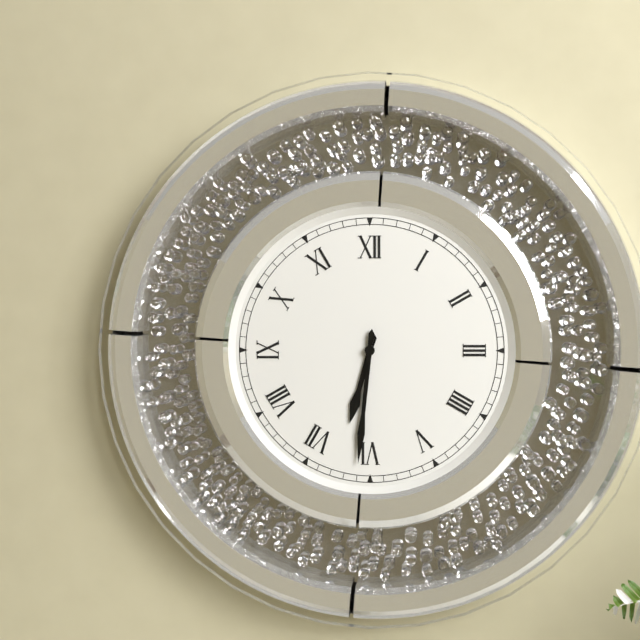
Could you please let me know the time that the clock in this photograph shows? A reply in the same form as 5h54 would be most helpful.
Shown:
6h31
